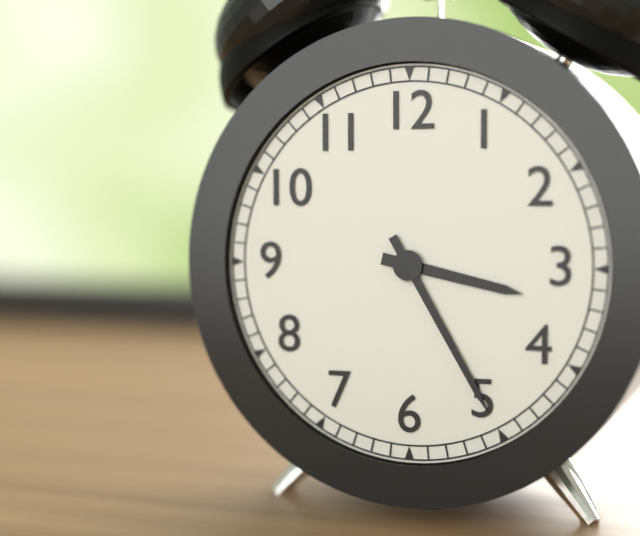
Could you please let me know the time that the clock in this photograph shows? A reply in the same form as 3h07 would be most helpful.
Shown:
3h25
